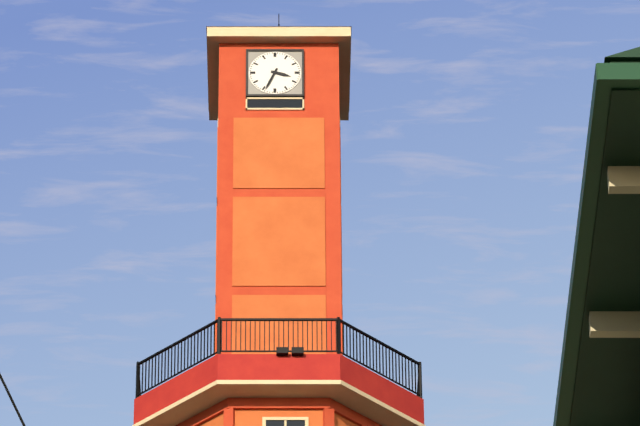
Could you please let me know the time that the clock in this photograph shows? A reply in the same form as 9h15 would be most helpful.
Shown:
3h34
